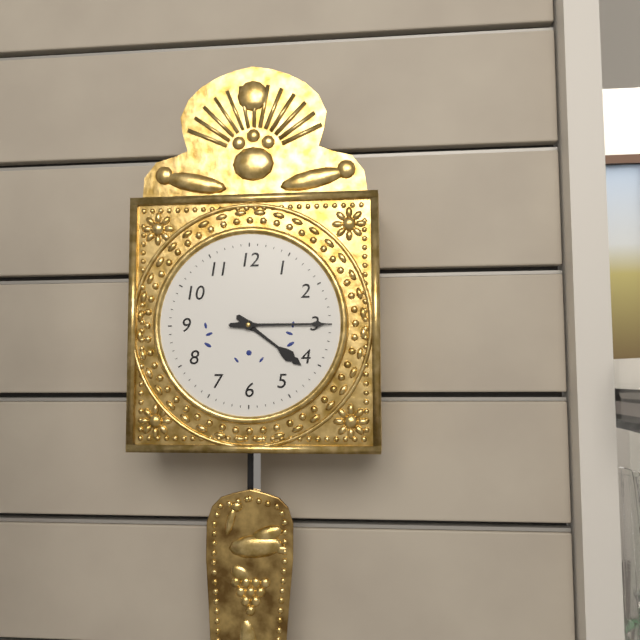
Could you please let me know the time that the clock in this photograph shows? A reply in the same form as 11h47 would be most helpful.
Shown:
4h15
